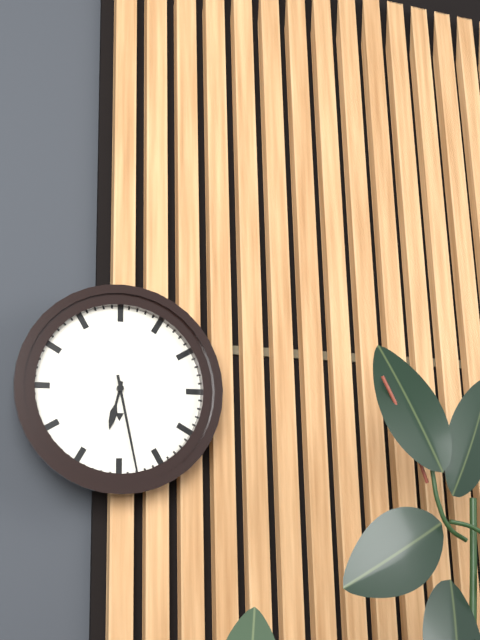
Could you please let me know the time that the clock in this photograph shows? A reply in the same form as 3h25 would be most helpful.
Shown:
6h28
